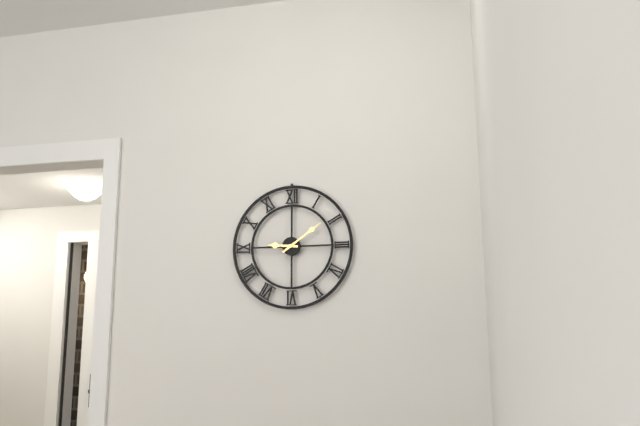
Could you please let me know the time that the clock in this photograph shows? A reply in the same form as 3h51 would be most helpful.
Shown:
9h09
